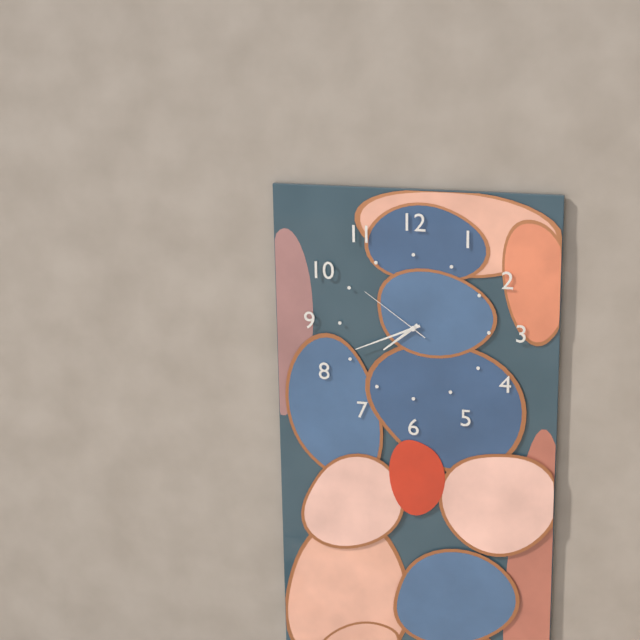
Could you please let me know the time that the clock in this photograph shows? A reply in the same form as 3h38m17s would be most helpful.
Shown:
7h41m51s
